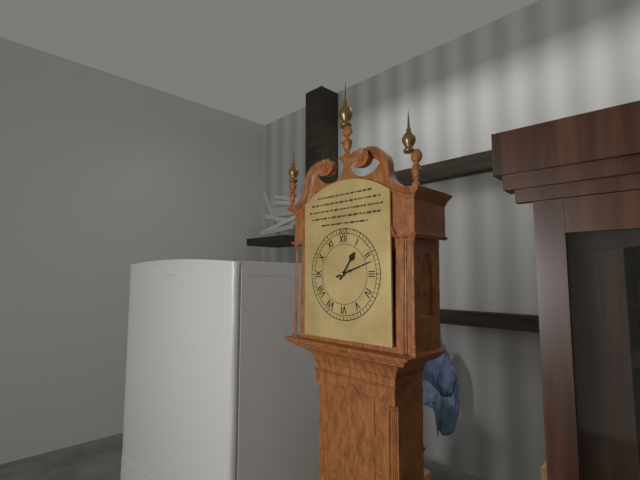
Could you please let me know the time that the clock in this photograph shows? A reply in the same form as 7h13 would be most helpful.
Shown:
1h12
